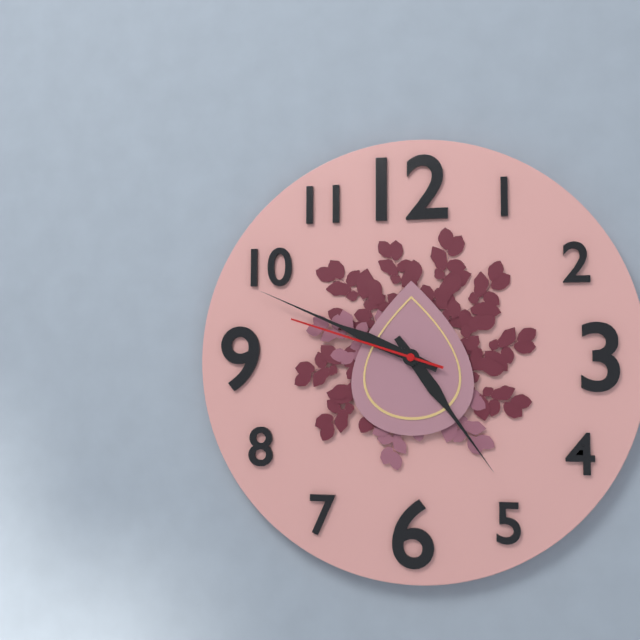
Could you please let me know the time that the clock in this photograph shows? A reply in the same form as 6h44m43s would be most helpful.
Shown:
4h49m48s
